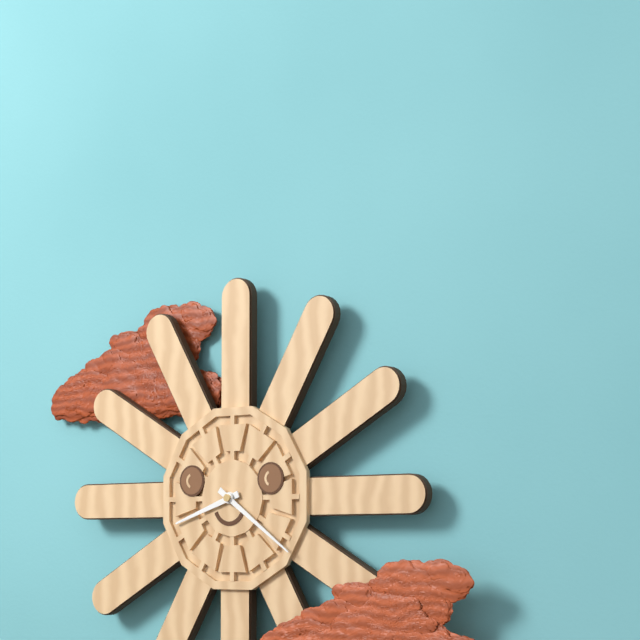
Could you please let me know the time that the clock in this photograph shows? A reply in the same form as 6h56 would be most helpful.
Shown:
8h21
